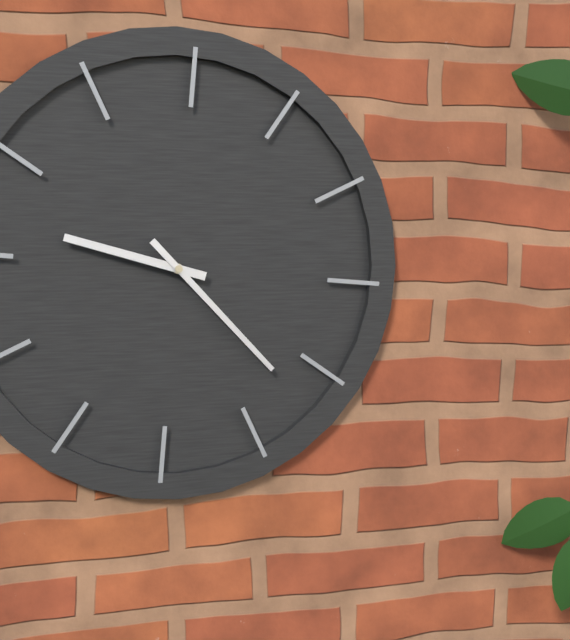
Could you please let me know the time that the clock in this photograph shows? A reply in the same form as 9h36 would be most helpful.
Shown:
9h22
